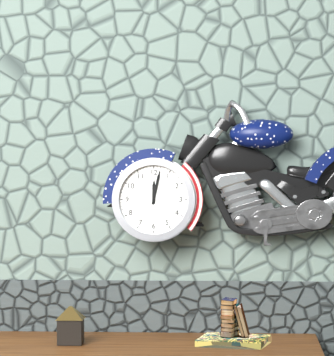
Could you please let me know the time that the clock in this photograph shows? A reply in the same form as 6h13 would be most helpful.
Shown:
12h02
